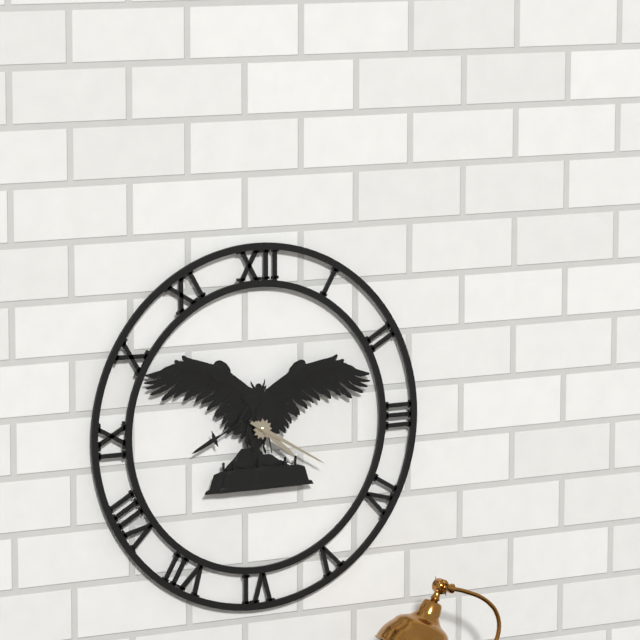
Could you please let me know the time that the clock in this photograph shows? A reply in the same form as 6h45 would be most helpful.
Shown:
4h20
